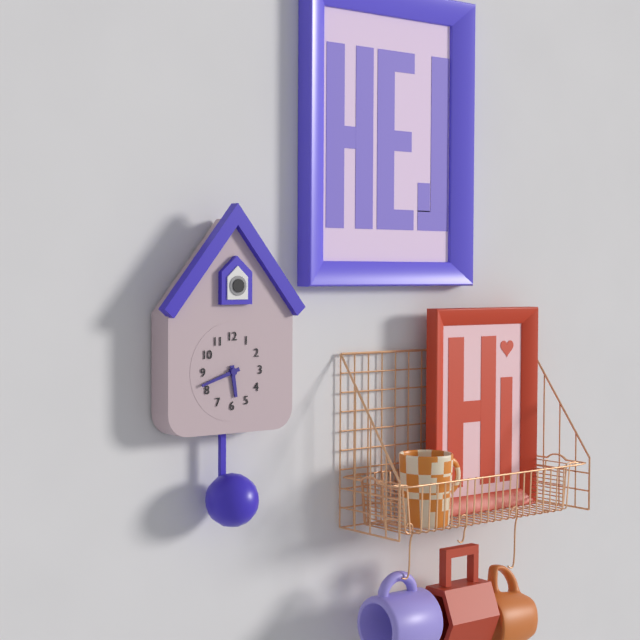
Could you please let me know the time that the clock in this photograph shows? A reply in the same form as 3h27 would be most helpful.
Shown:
5h42
